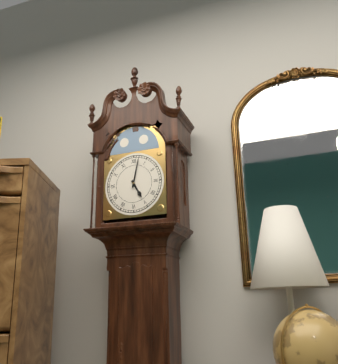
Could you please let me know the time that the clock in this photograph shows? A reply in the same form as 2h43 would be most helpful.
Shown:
5h02
